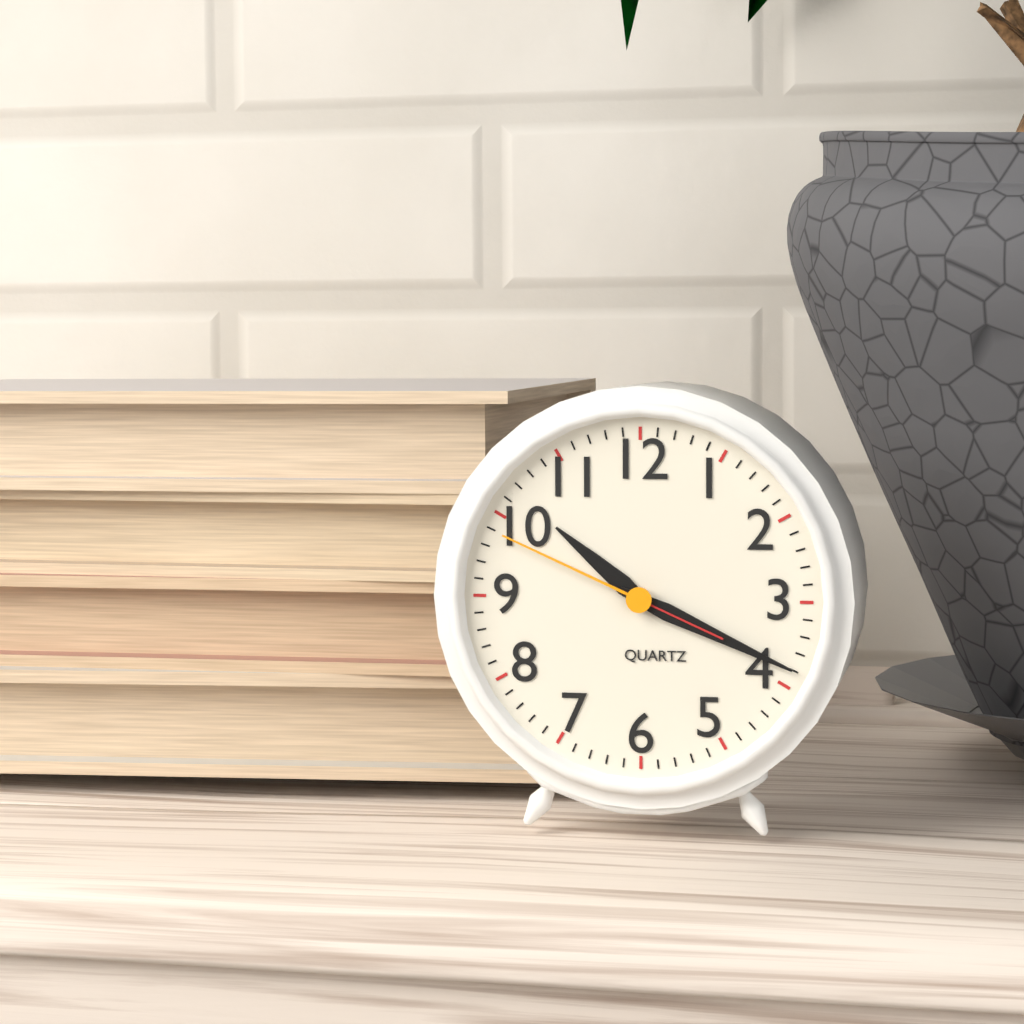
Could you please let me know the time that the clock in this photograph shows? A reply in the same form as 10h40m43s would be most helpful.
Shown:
10h19m49s
